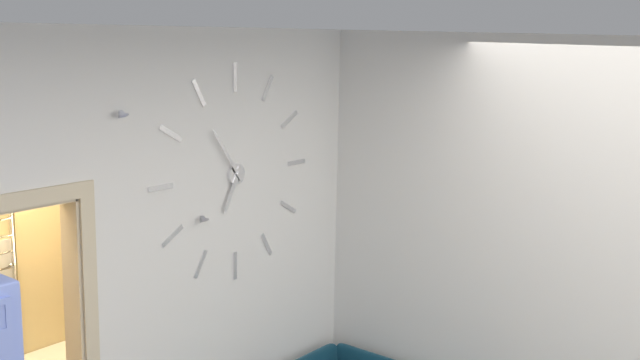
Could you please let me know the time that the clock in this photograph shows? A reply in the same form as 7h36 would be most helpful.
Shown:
6h54
